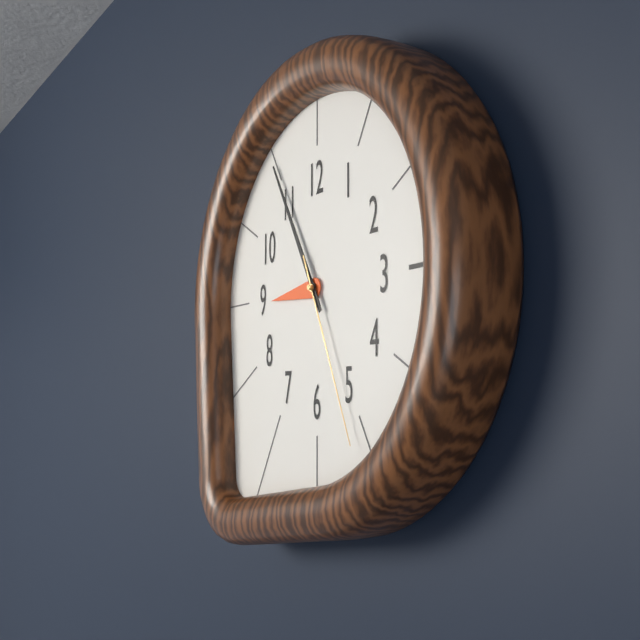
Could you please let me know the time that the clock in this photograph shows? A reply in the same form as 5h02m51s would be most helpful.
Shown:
8h55m26s
